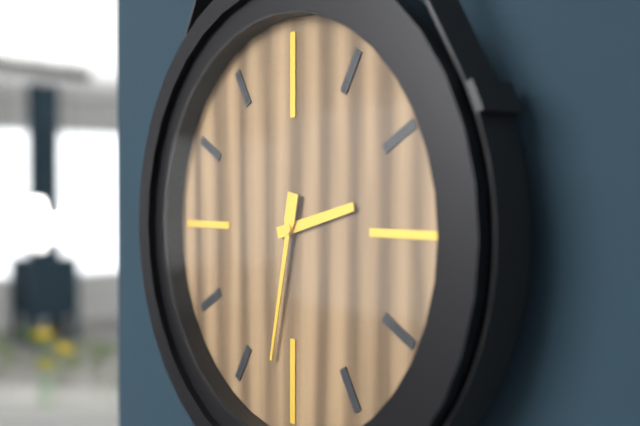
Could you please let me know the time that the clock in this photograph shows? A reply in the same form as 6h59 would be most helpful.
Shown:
2h32
